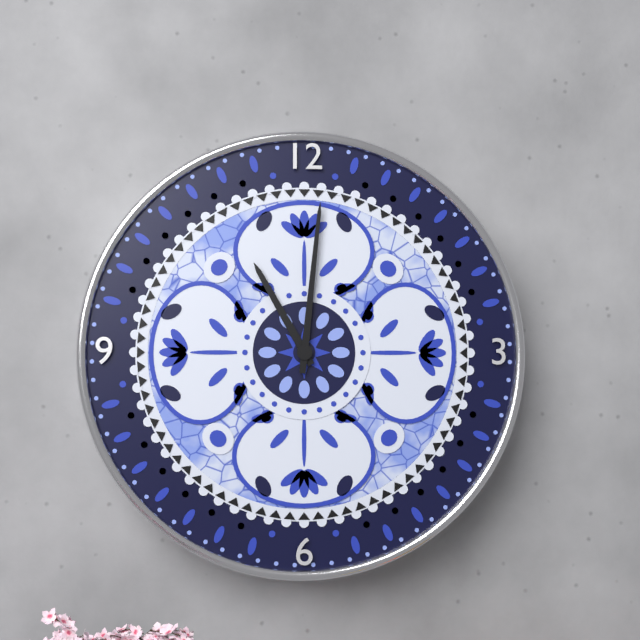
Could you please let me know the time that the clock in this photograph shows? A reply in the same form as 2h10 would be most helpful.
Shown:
11h01
